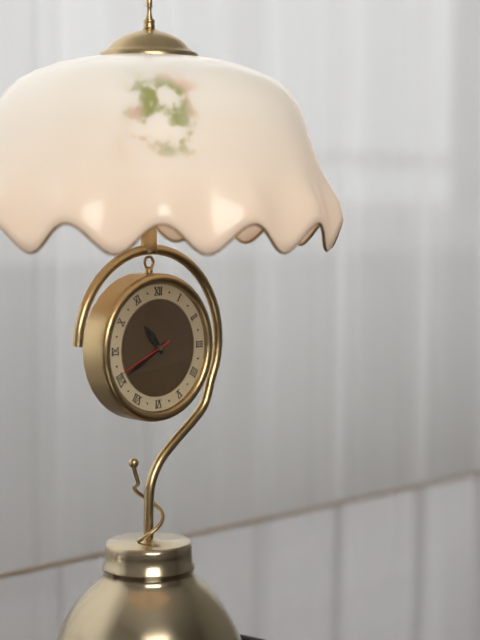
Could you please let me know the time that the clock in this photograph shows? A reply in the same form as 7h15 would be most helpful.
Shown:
10h40
